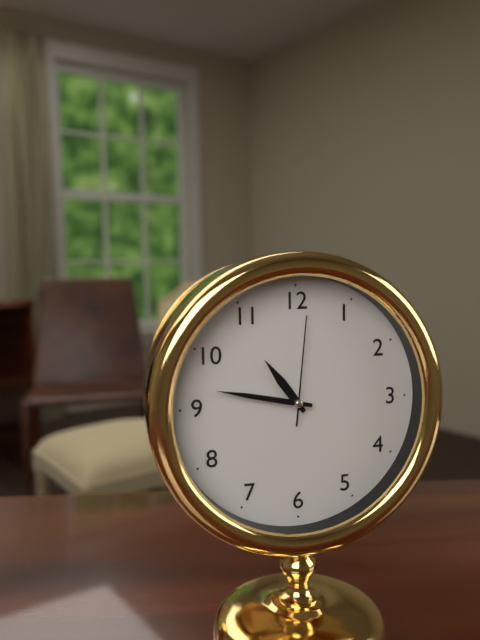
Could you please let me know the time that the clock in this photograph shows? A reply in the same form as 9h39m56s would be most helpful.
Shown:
10h47m01s
